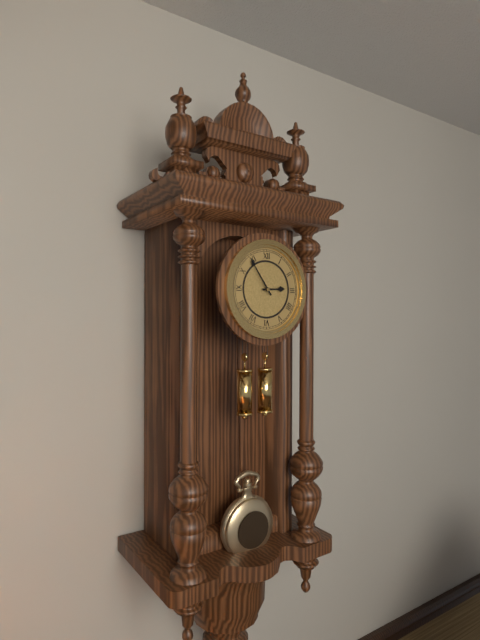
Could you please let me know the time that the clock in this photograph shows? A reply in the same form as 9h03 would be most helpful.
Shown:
2h54
